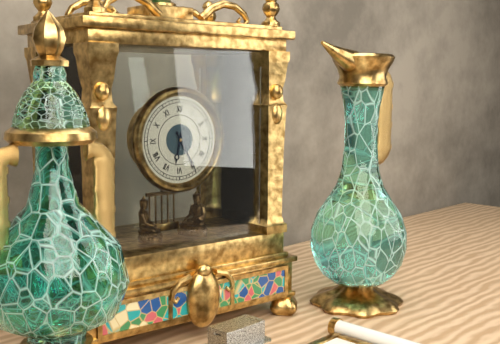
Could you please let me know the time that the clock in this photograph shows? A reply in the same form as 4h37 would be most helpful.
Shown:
6h25
